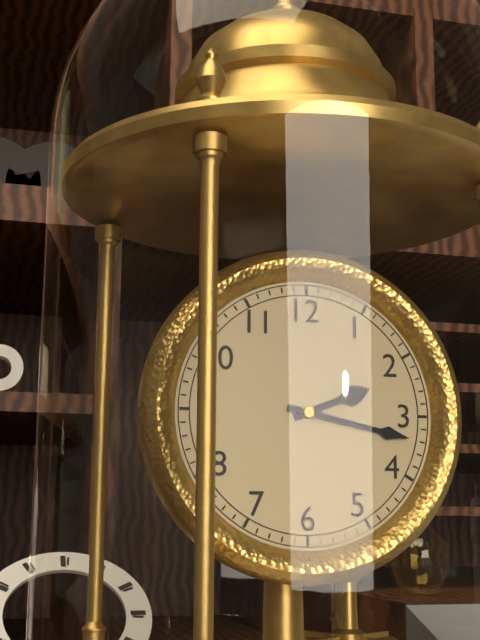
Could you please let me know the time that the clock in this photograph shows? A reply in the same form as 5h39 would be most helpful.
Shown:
2h17
